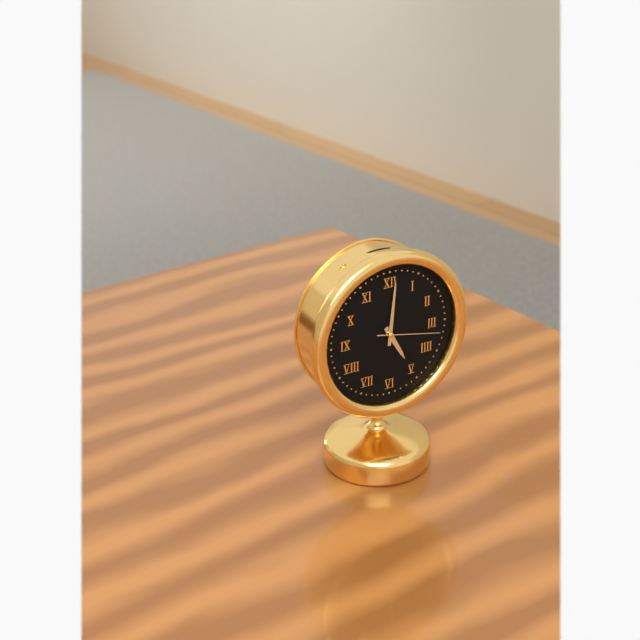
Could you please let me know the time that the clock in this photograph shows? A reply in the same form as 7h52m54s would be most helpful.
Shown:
5h01m17s
